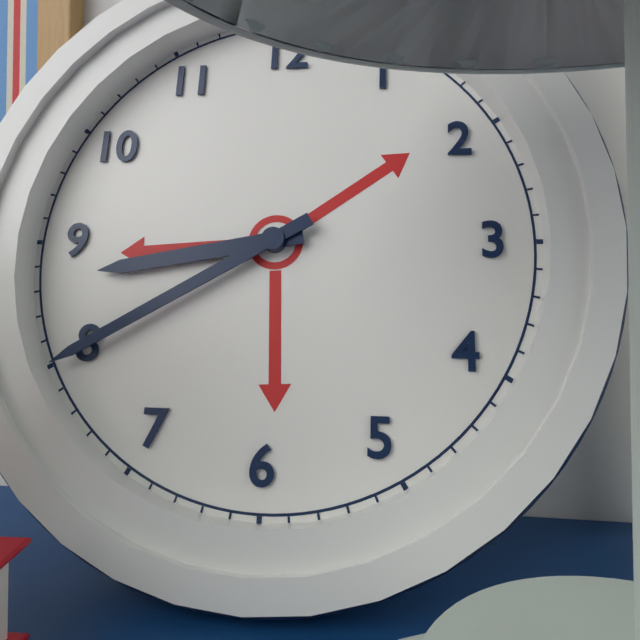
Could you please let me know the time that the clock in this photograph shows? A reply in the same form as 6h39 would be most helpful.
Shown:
8h40
